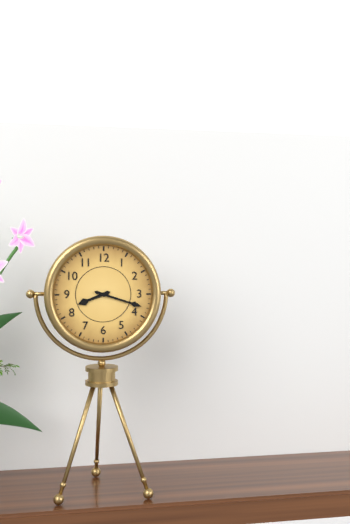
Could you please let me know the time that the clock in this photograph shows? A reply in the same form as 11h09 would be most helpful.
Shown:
8h18
